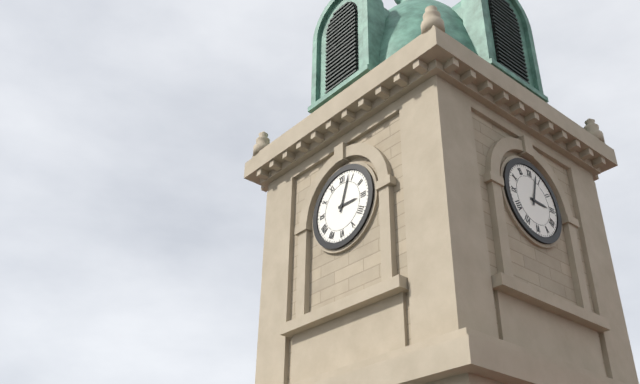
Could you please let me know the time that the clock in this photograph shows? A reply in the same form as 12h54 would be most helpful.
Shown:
3h03
